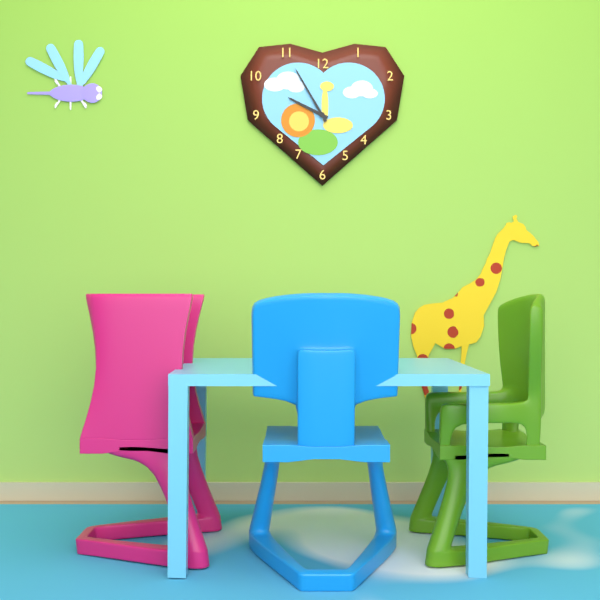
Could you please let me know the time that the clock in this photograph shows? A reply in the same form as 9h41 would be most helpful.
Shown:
9h55
